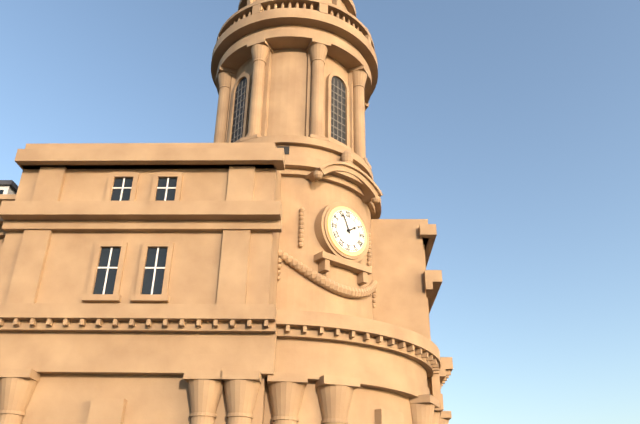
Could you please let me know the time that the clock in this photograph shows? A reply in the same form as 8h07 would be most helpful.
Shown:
1h56
